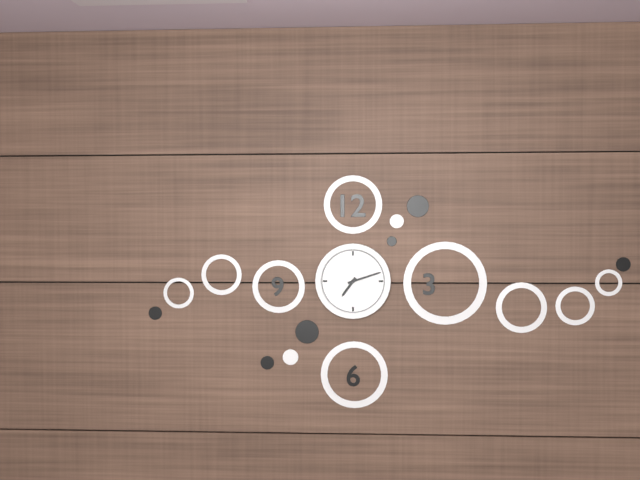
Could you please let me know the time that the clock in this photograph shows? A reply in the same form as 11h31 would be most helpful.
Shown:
7h12
